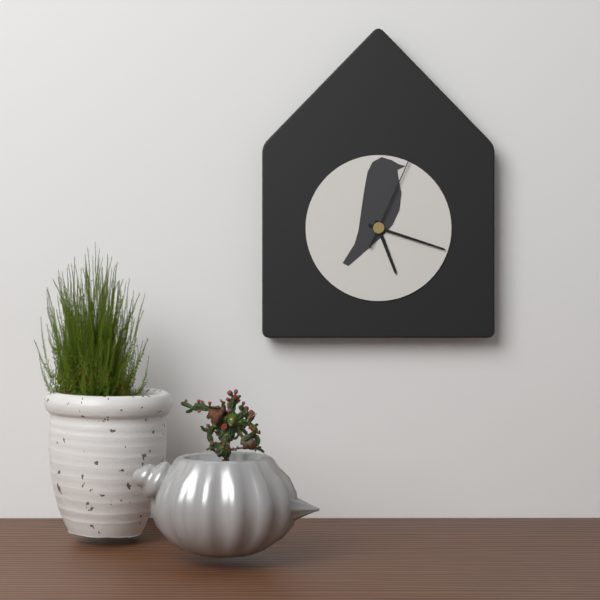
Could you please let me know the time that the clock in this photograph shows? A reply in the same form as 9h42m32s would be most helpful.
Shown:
5h18m04s
